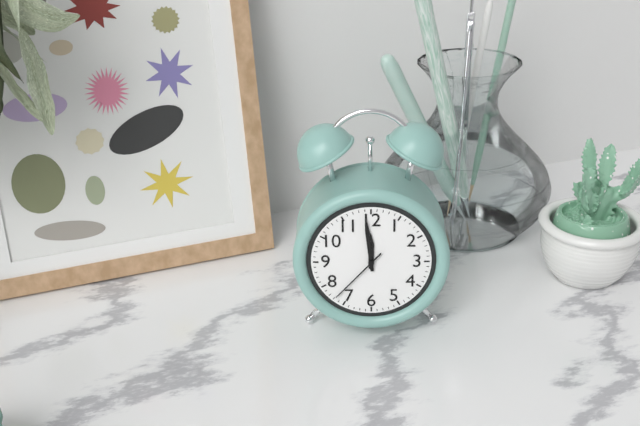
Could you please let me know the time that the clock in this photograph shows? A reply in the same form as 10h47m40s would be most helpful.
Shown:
11h59m37s
